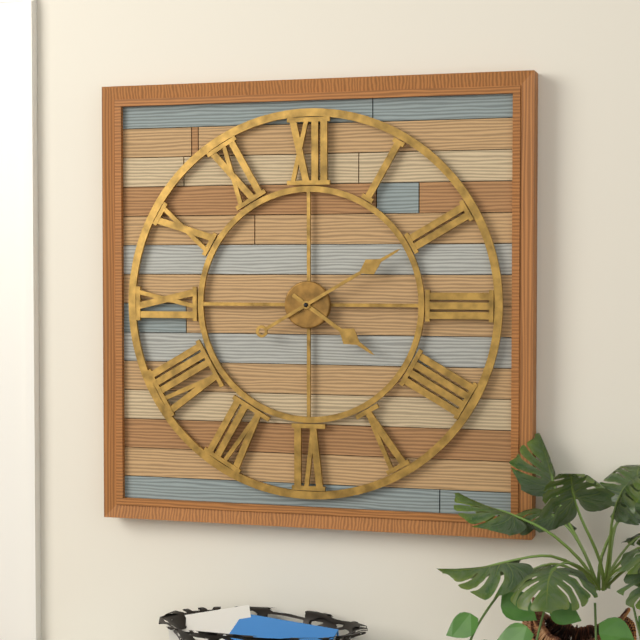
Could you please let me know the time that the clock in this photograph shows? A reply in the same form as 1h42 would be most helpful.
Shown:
4h10
